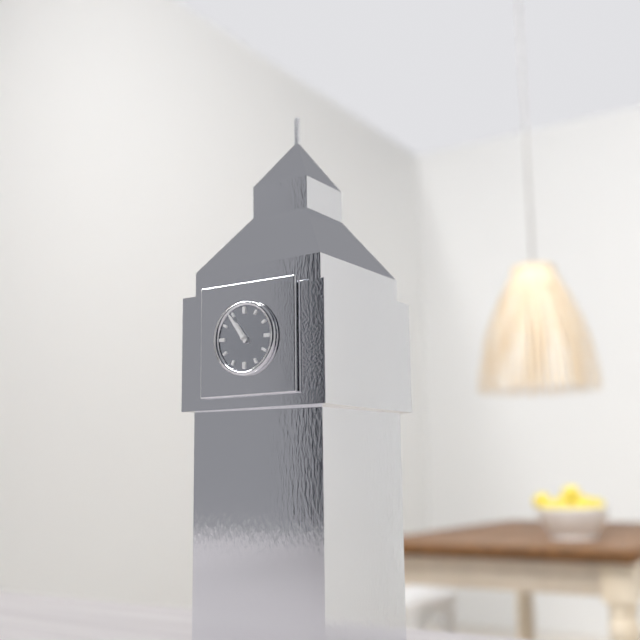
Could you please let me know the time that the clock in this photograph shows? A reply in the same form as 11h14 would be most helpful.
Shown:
10h54
